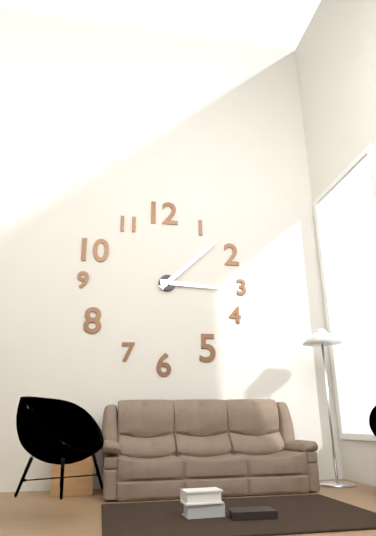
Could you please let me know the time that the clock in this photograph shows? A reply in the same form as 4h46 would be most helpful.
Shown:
3h08
